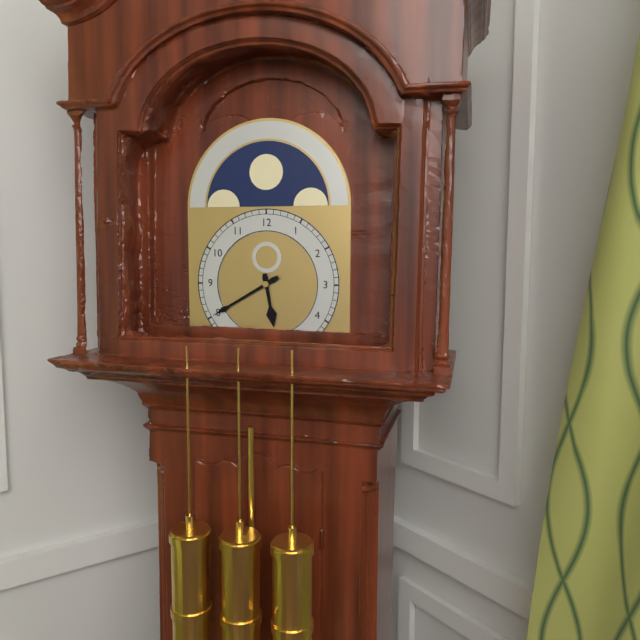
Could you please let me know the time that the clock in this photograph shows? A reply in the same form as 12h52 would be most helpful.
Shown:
5h40
